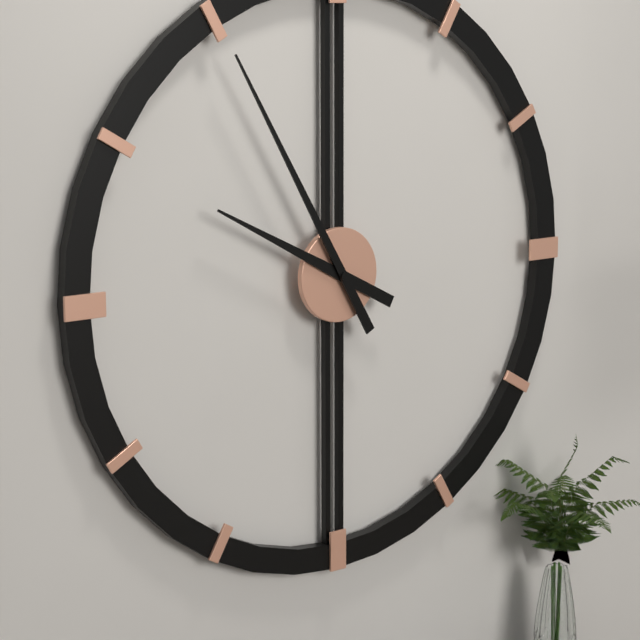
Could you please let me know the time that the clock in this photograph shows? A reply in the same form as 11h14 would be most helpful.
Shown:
9h55
